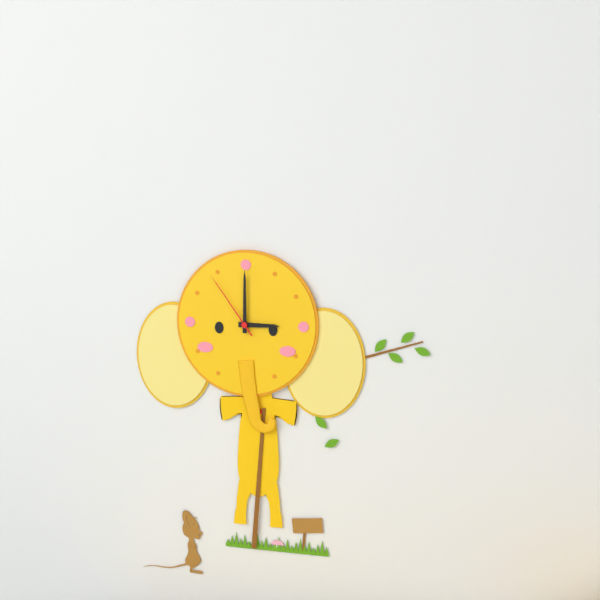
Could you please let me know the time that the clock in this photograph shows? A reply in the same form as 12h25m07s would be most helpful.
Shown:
3h00m54s
